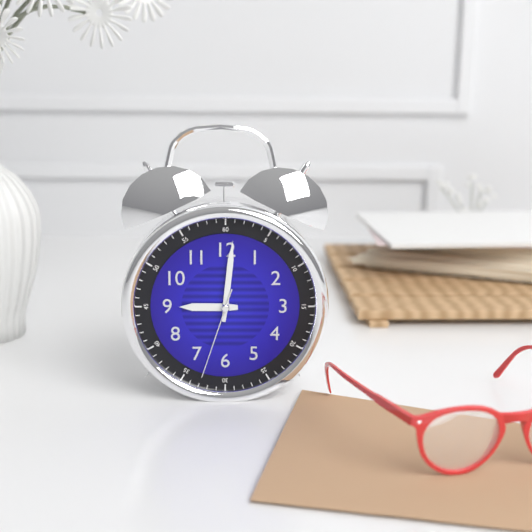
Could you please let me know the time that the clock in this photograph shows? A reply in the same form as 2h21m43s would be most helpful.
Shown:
9h01m33s
